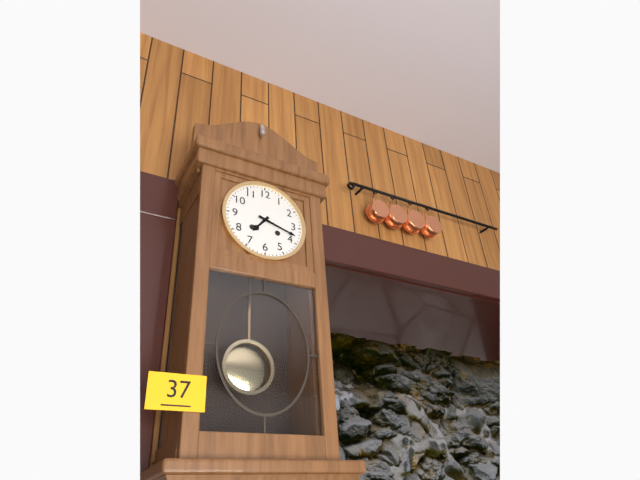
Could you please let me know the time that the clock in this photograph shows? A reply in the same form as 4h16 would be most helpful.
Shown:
7h18
